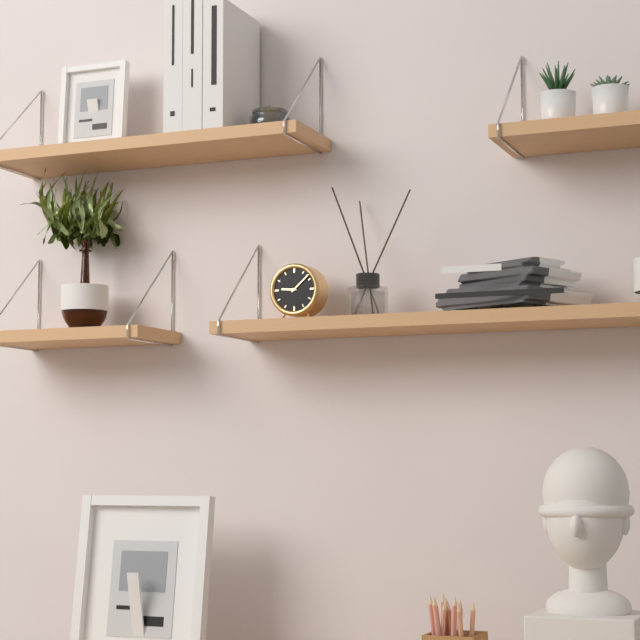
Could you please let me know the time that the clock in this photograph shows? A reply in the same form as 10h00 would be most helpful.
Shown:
9h08
